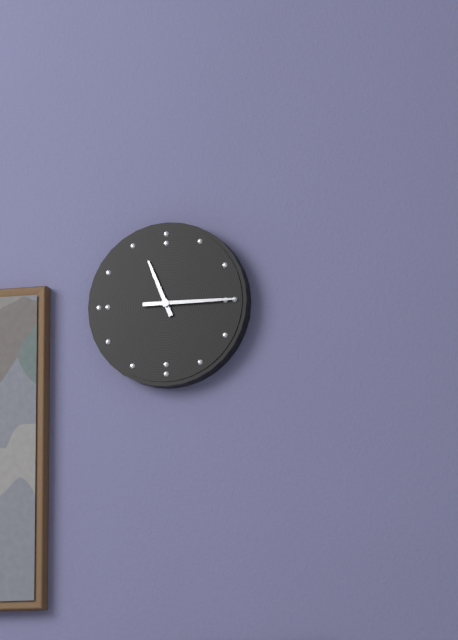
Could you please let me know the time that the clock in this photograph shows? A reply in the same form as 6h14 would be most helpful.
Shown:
11h15
